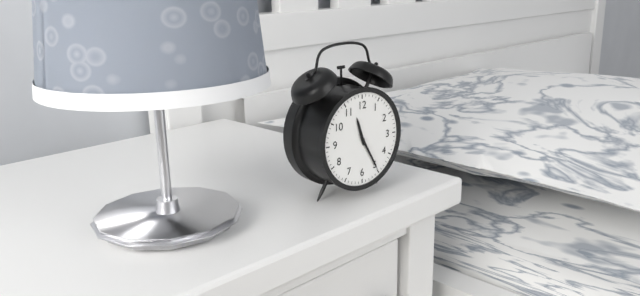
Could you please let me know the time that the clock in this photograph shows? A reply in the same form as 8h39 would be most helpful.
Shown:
11h25
